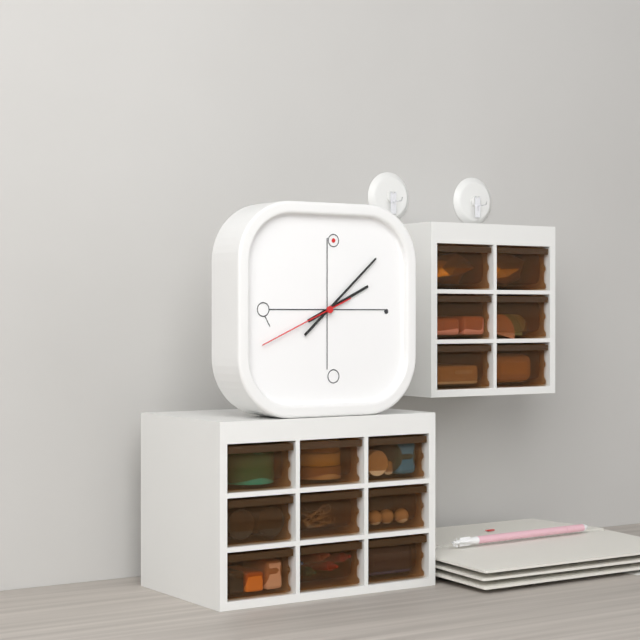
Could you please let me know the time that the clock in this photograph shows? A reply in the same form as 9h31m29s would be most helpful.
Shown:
2h08m41s
